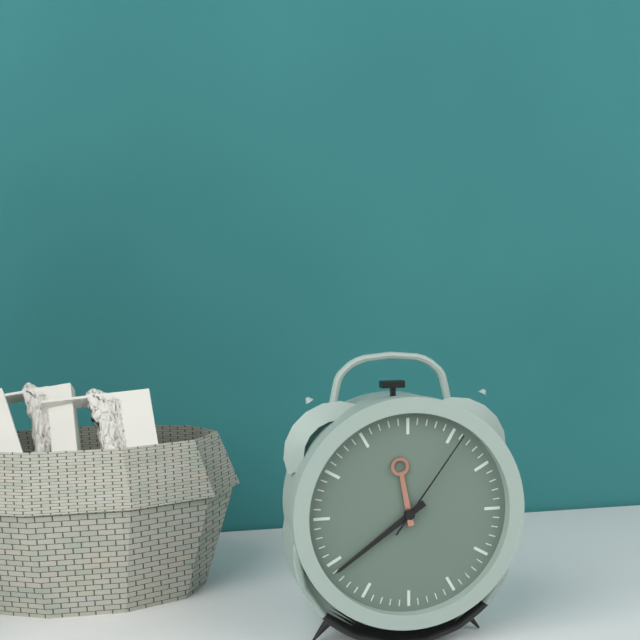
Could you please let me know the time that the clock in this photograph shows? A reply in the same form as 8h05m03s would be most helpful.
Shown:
11h39m06s
